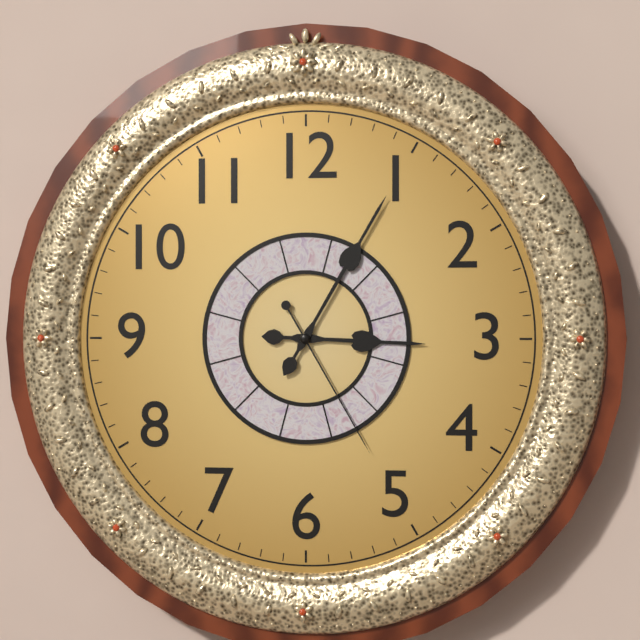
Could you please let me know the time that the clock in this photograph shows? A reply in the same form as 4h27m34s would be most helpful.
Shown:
3h05m25s
